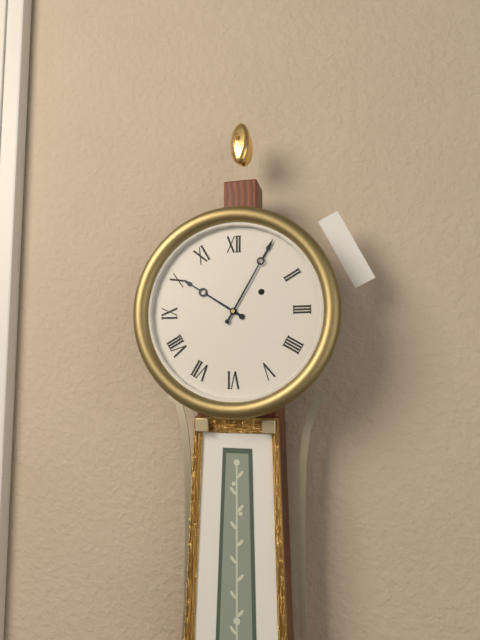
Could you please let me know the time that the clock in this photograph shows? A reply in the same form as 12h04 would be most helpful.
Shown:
10h05
